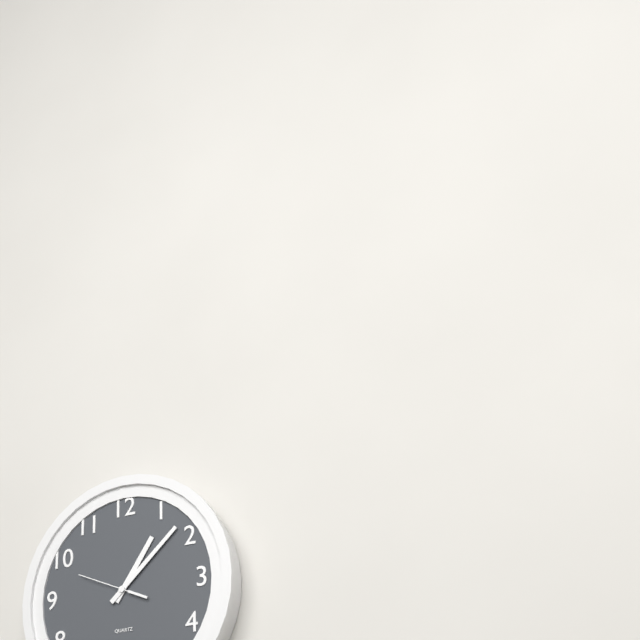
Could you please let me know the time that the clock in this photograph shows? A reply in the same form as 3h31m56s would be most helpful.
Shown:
1h08m49s
